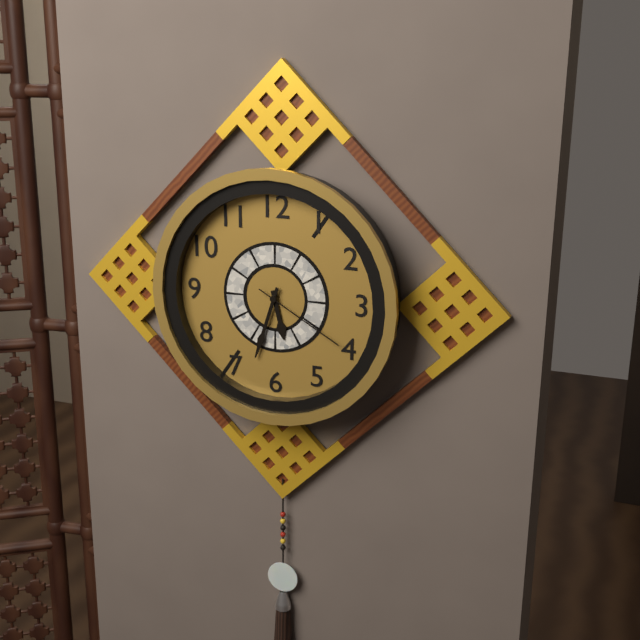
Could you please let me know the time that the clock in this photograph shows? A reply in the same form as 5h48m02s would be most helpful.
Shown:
5h33m20s
